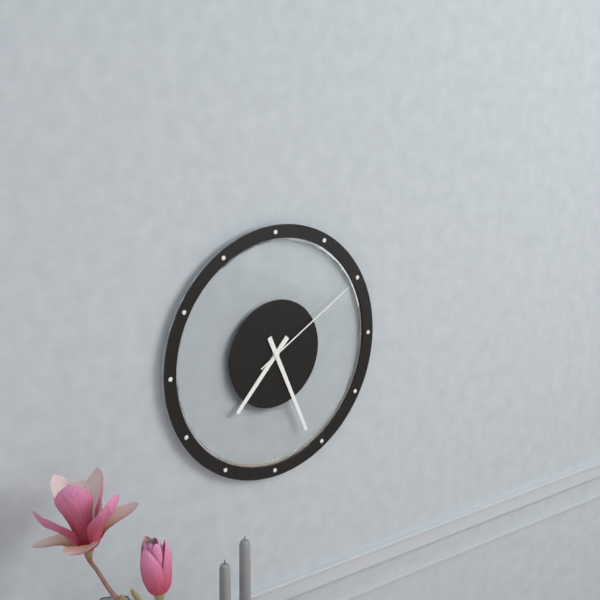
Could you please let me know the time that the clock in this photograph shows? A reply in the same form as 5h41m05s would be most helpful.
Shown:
7h26m10s
